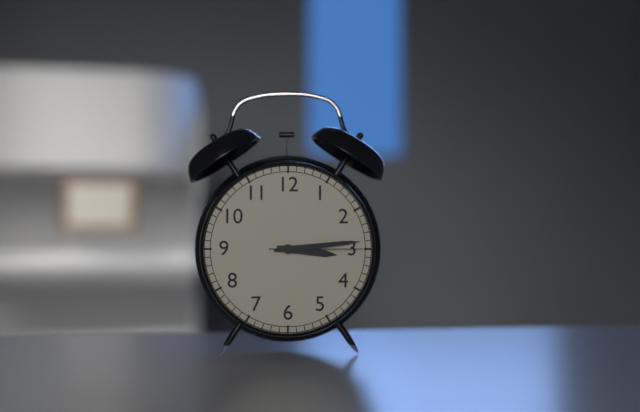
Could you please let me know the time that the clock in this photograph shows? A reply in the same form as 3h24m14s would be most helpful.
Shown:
3h14m15s
